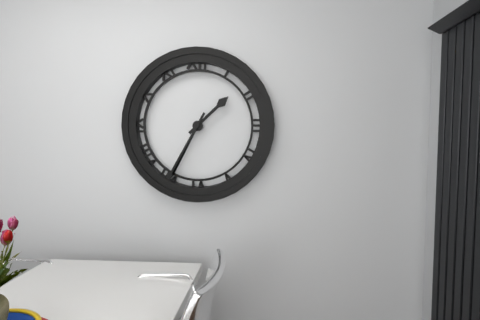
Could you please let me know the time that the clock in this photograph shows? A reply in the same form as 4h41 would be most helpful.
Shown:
1h35
